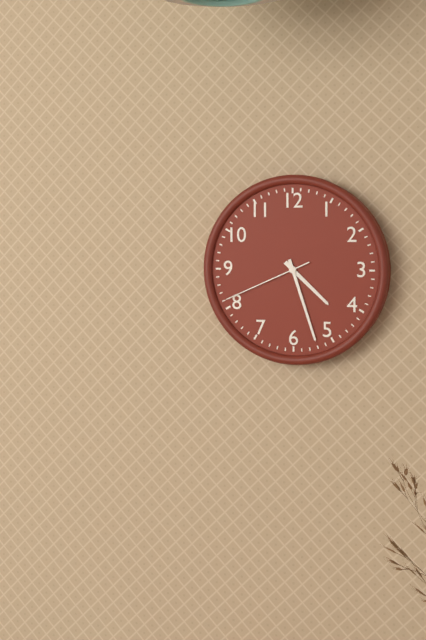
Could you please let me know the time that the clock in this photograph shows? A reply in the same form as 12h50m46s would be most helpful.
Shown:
4h27m41s
